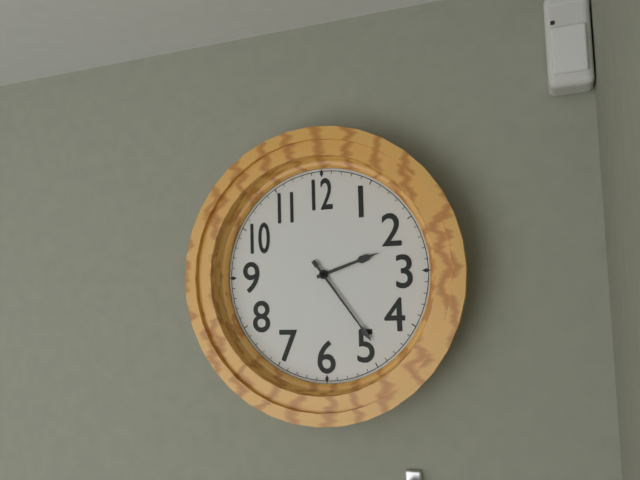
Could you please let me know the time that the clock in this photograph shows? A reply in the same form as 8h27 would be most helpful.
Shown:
2h24
